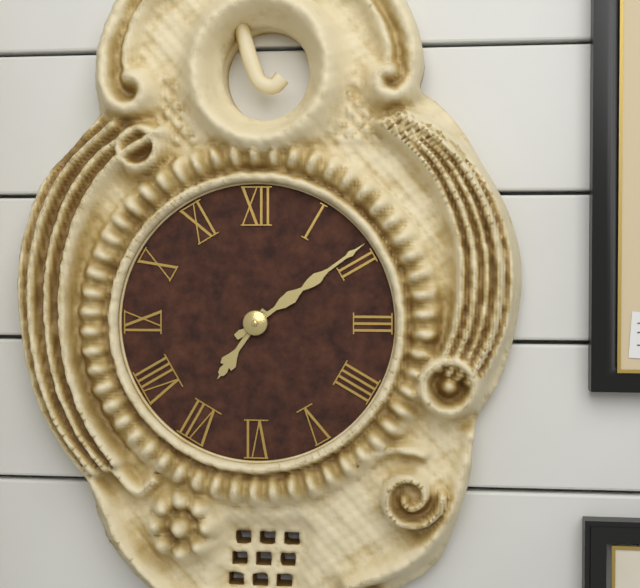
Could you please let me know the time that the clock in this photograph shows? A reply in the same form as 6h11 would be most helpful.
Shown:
7h09
